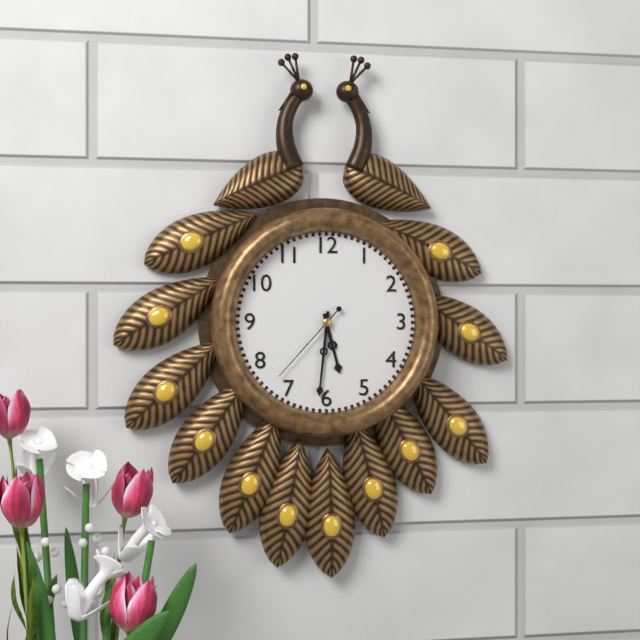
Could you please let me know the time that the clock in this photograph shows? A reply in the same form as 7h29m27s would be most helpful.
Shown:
5h31m37s
